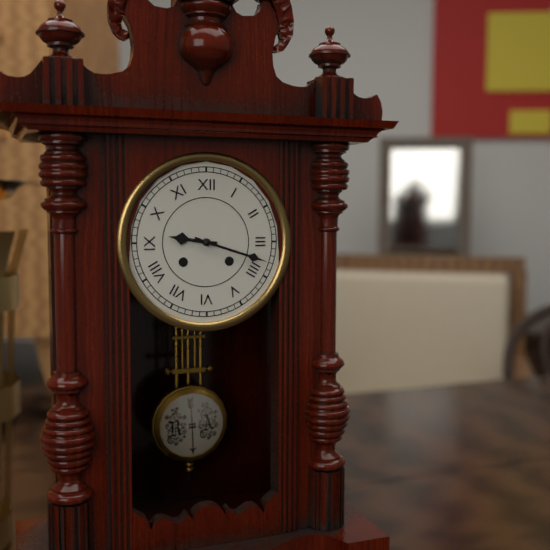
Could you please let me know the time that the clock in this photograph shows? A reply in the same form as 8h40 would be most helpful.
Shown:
9h18
